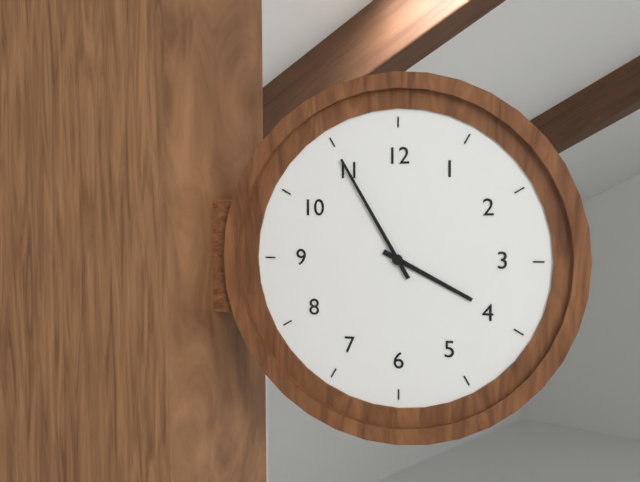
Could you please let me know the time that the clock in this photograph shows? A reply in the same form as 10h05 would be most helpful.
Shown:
3h55
